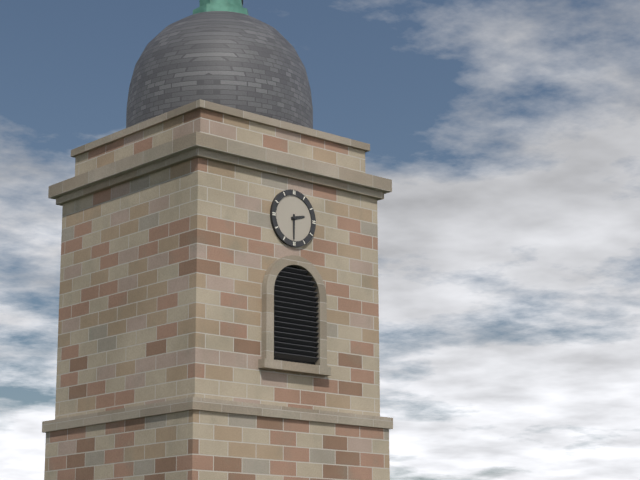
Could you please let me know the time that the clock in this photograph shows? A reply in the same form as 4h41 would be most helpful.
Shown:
2h30
